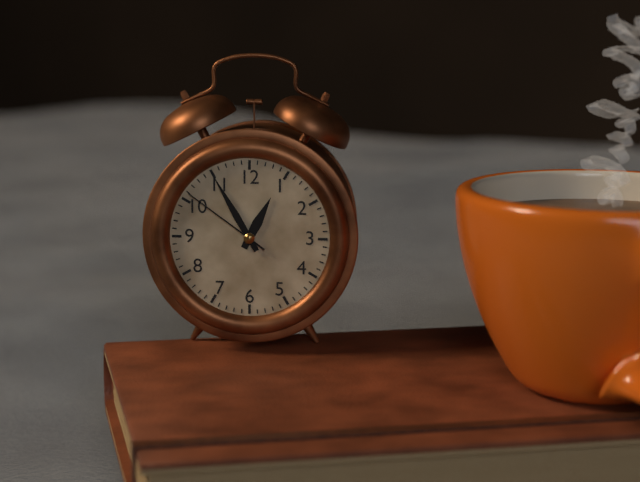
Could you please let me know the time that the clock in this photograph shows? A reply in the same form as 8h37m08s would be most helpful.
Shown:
12h55m51s
